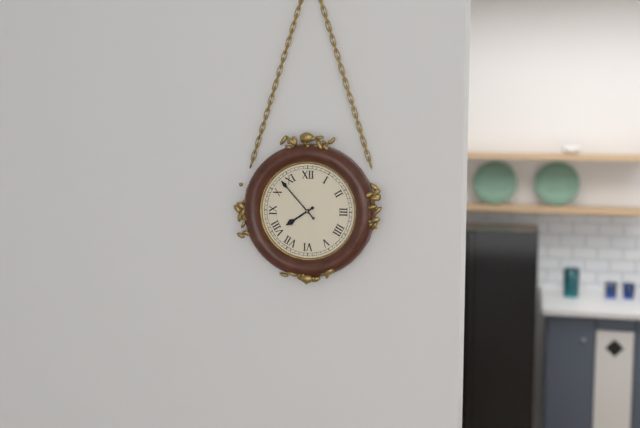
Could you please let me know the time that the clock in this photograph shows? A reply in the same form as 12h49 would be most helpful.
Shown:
7h53
